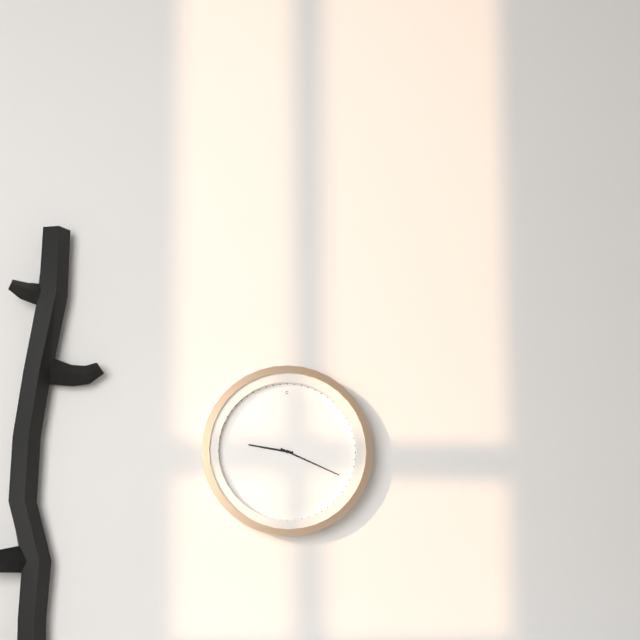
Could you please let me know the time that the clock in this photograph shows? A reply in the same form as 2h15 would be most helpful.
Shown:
9h19
